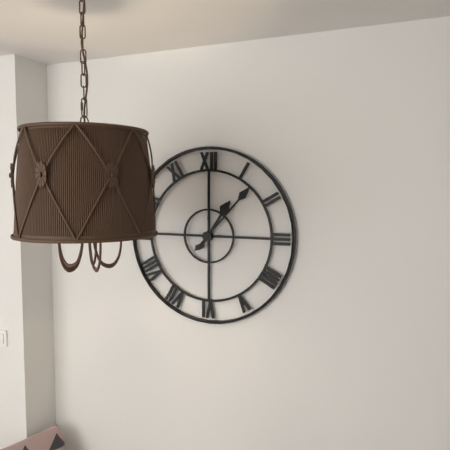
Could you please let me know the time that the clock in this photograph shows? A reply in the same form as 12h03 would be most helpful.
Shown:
1h07
